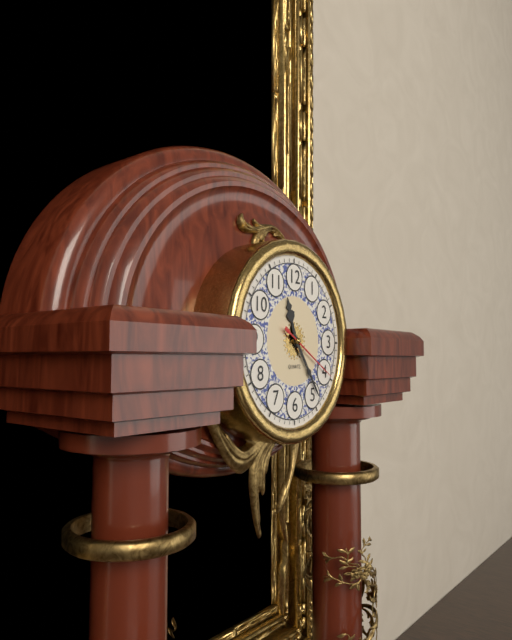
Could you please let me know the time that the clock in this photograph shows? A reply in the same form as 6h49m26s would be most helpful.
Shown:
11h24m20s
